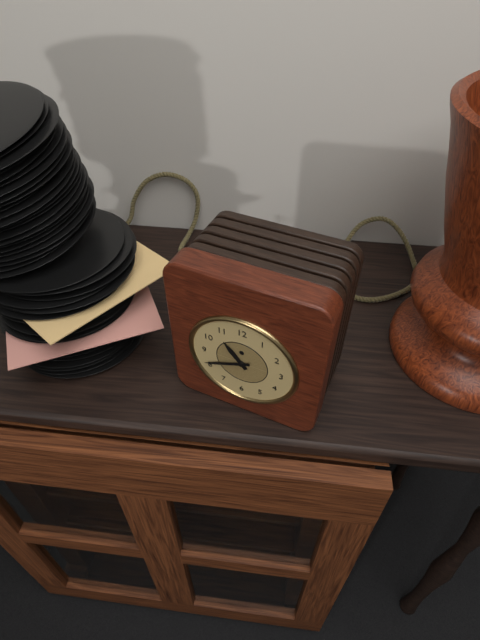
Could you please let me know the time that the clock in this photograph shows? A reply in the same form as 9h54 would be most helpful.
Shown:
10h41
